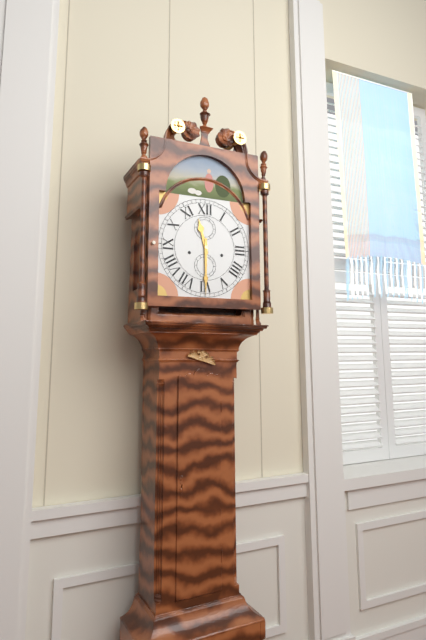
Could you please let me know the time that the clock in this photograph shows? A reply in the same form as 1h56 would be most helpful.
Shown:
11h30
